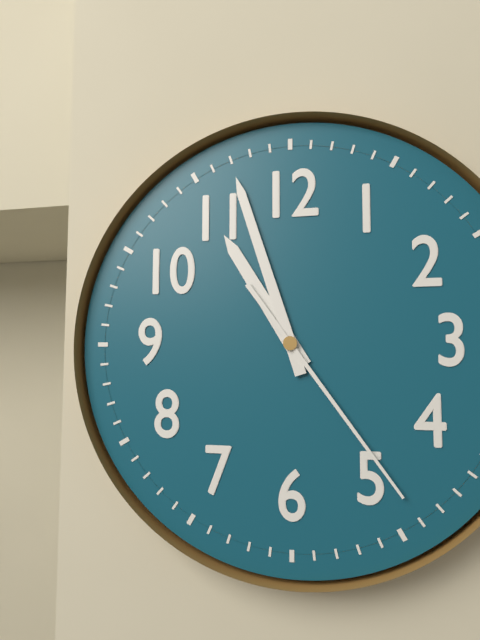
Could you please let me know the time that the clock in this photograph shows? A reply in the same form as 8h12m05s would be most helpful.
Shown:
10h57m24s
